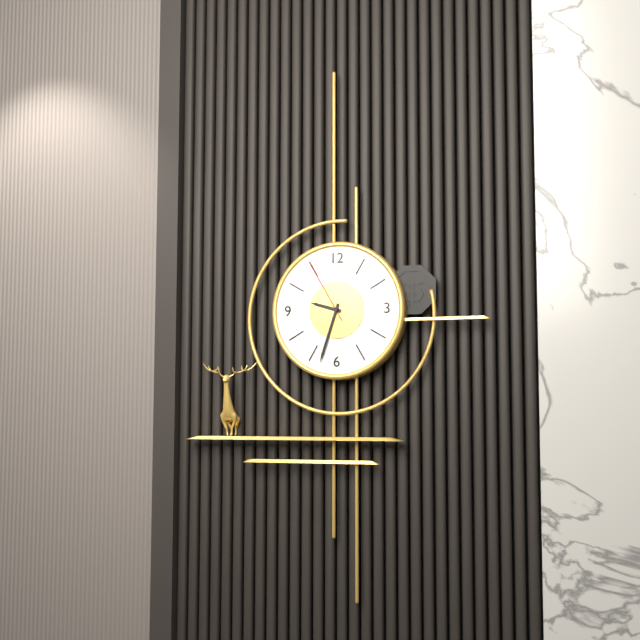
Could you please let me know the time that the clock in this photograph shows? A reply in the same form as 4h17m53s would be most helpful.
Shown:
9h33m55s
